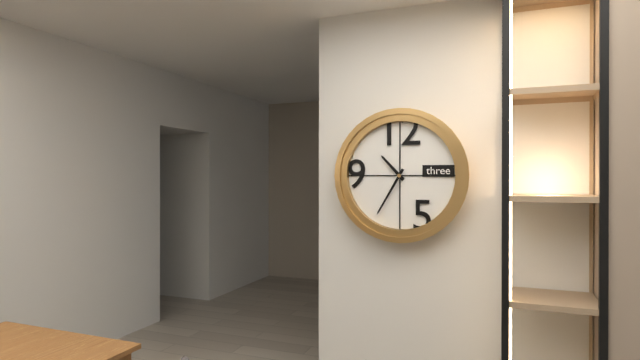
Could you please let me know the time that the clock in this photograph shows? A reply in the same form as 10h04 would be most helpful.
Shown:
10h35
